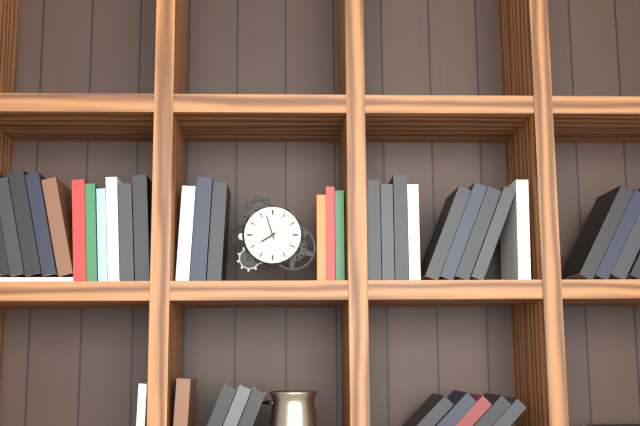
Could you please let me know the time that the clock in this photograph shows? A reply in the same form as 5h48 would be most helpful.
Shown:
7h57
